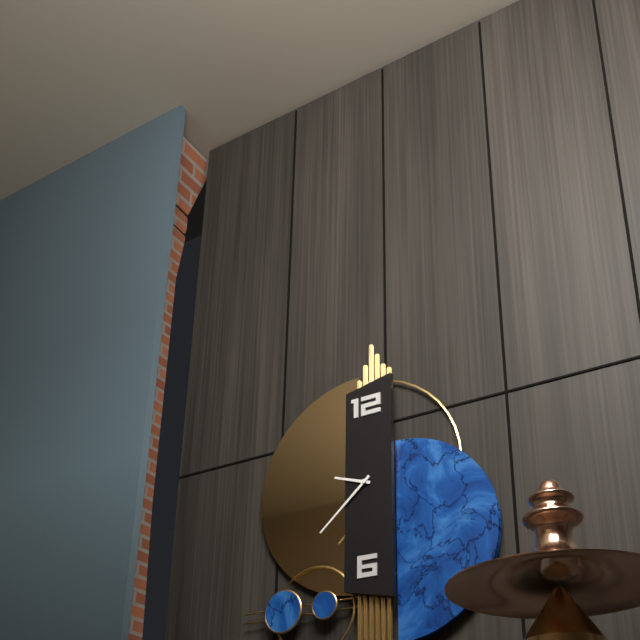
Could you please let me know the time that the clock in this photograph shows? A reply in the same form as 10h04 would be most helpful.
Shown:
9h38
